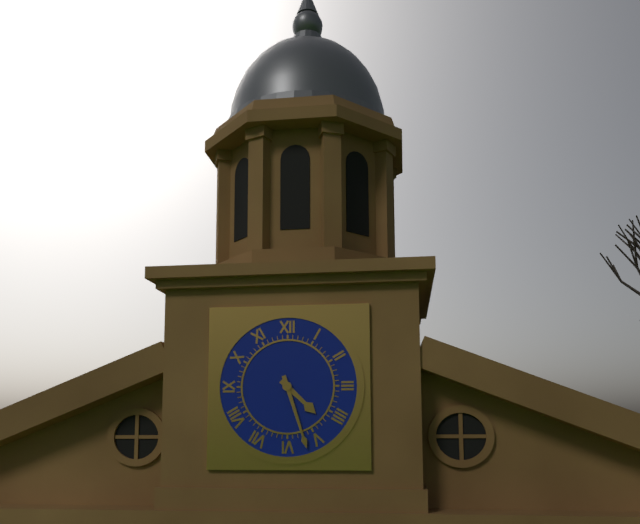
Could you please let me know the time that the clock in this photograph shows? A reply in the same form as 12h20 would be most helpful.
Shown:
4h27
